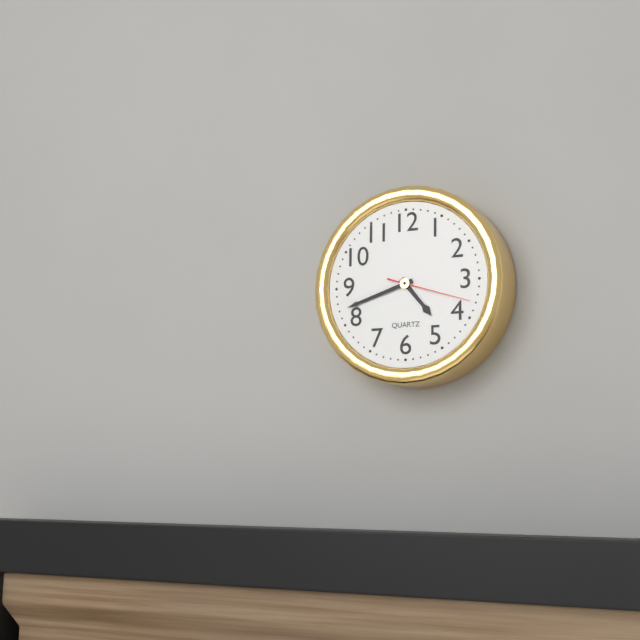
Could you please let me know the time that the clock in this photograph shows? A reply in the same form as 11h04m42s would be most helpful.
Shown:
4h42m18s
